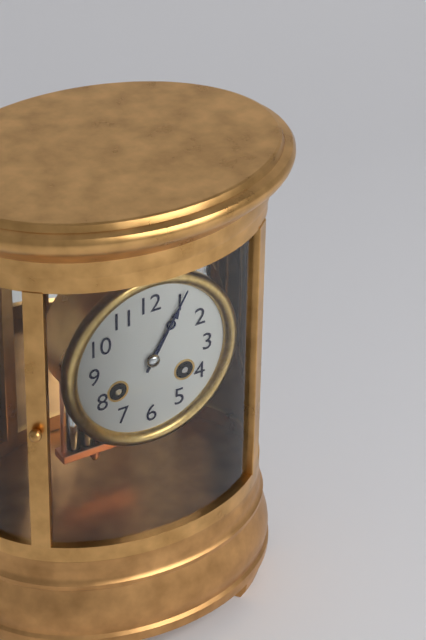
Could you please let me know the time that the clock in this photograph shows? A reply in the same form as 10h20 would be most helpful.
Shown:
1h05
